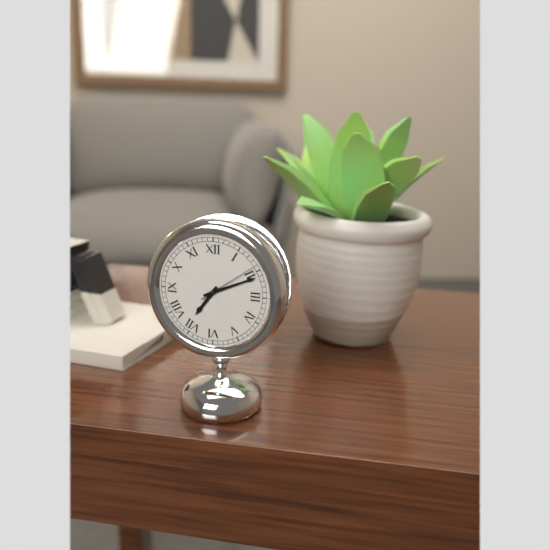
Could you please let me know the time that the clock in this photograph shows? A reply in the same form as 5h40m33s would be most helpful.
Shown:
7h11m09s
